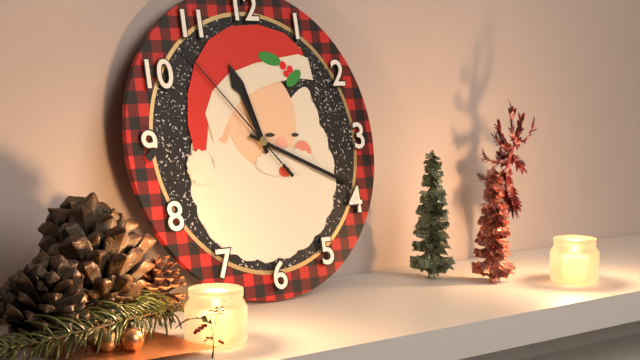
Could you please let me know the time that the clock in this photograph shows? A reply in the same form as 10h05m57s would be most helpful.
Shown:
11h19m53s
